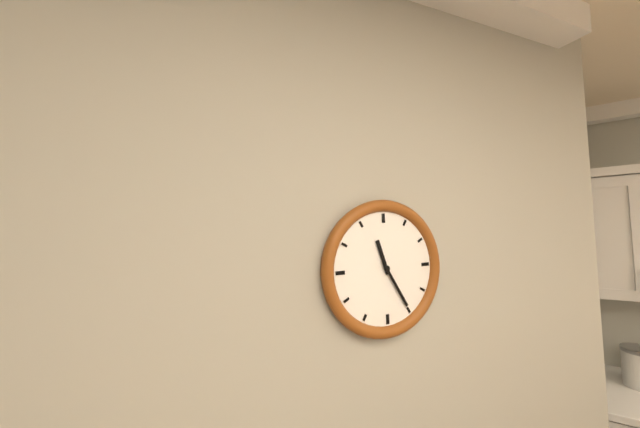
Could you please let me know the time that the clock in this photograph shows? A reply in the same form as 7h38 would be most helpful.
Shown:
11h25
